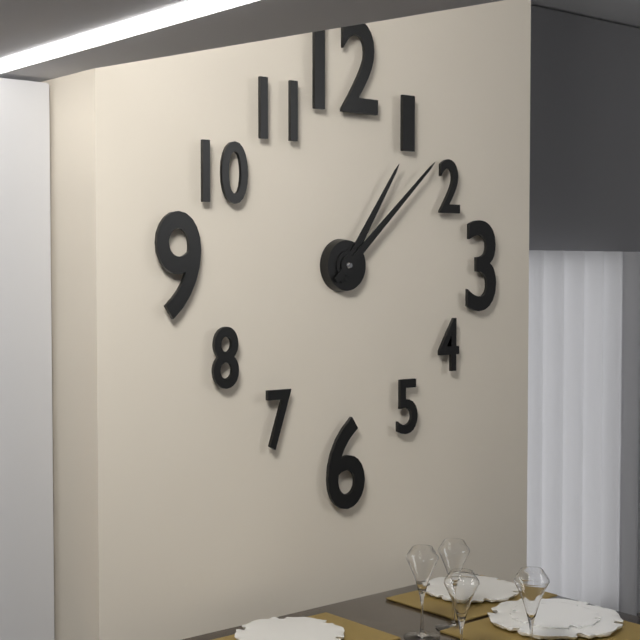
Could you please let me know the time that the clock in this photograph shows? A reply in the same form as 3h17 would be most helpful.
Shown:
1h08
